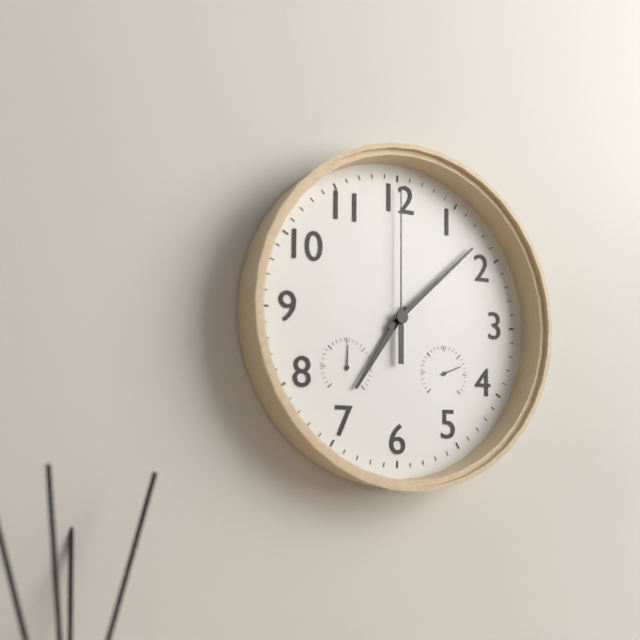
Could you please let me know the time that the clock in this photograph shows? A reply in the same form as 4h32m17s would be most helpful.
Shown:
7h08m00s
